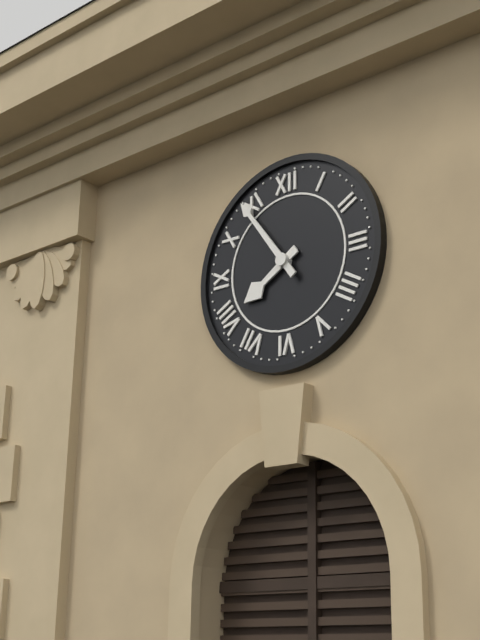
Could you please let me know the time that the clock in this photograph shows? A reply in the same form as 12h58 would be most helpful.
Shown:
7h54
